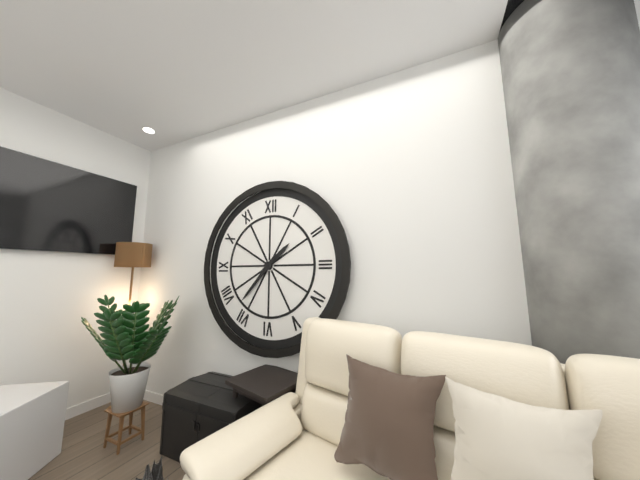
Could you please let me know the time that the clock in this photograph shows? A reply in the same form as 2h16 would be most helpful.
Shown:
1h37
